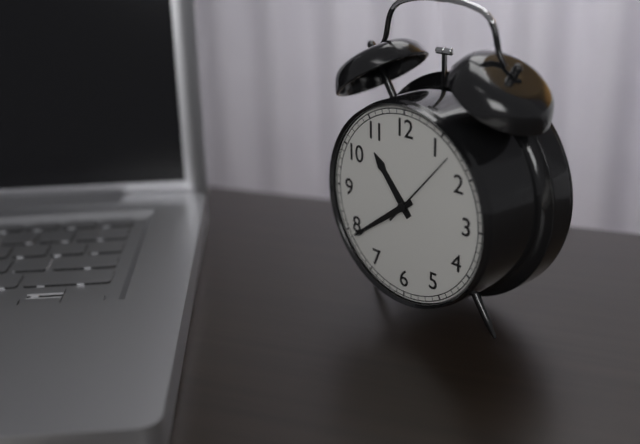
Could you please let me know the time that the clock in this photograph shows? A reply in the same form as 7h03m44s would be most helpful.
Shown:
10h39m07s
